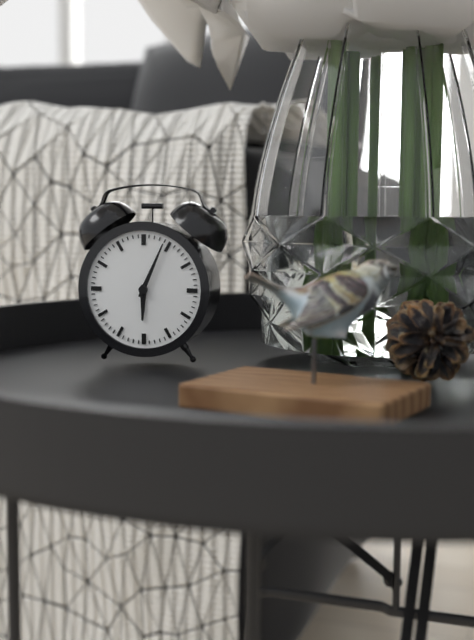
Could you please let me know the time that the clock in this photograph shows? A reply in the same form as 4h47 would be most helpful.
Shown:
6h04
